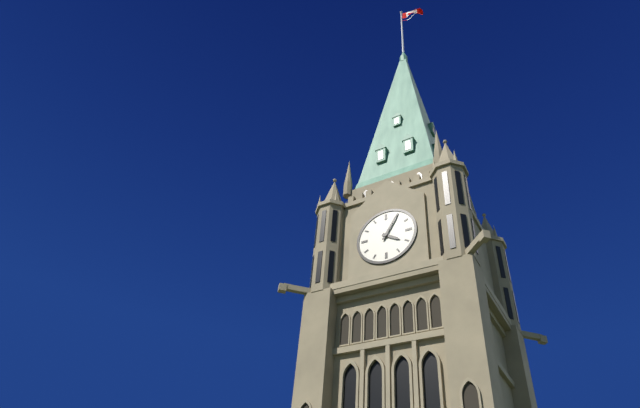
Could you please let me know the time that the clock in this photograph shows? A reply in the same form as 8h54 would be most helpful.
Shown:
4h05
